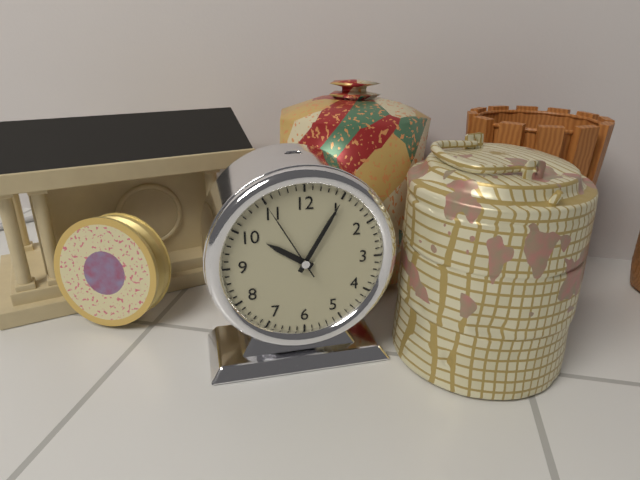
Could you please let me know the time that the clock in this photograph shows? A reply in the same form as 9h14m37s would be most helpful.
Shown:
10h05m55s
